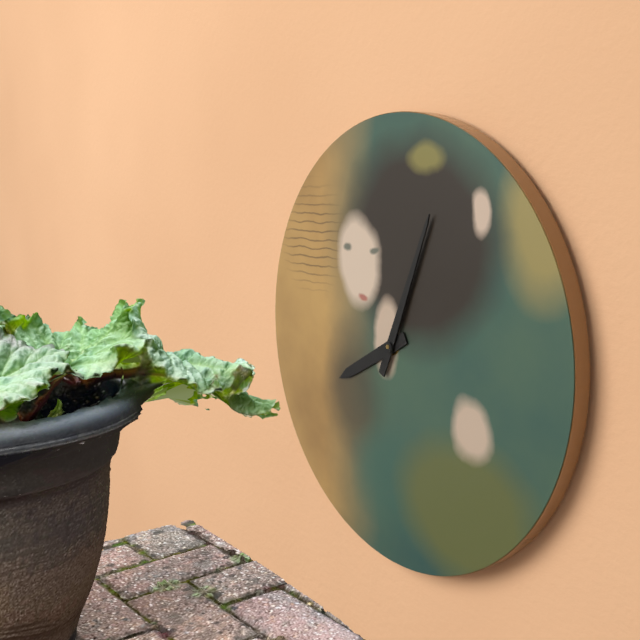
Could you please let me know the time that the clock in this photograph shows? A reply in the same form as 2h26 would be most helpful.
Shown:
8h04
